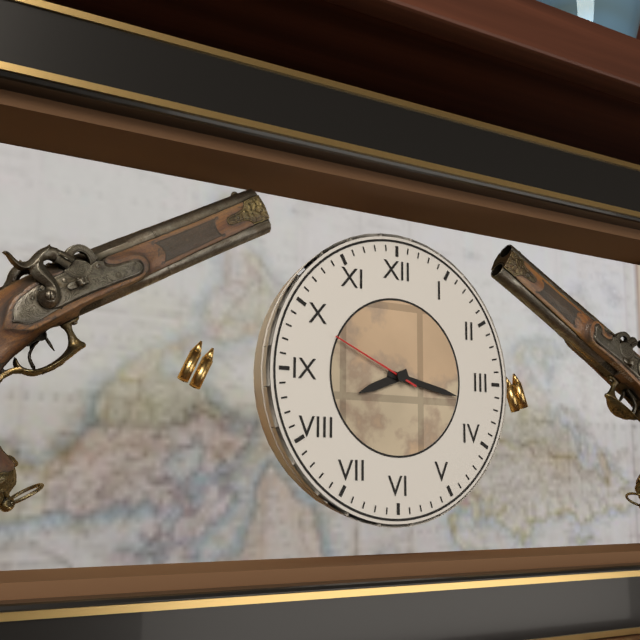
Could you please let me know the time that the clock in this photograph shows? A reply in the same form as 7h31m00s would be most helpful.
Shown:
8h17m49s
